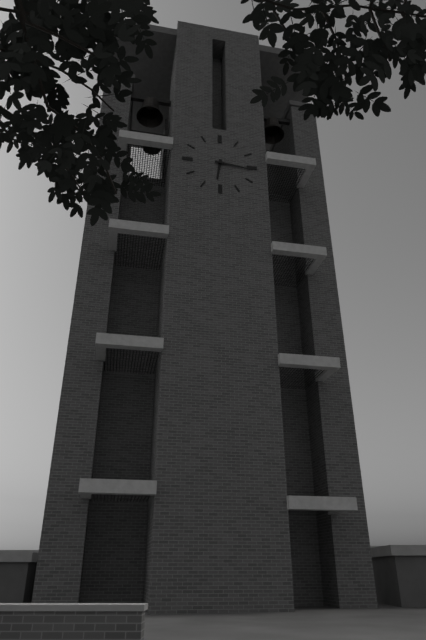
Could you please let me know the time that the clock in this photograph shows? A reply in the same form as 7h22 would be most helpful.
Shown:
6h16
